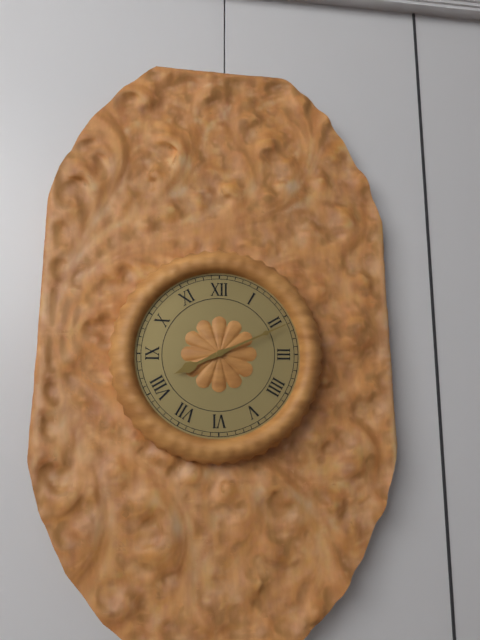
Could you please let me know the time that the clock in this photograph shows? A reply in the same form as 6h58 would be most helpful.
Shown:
8h11
